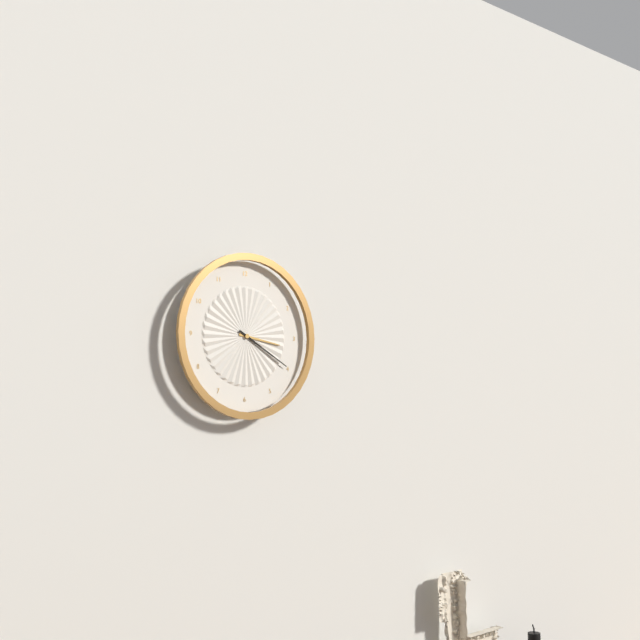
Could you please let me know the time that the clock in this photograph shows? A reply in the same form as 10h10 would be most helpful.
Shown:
3h20
